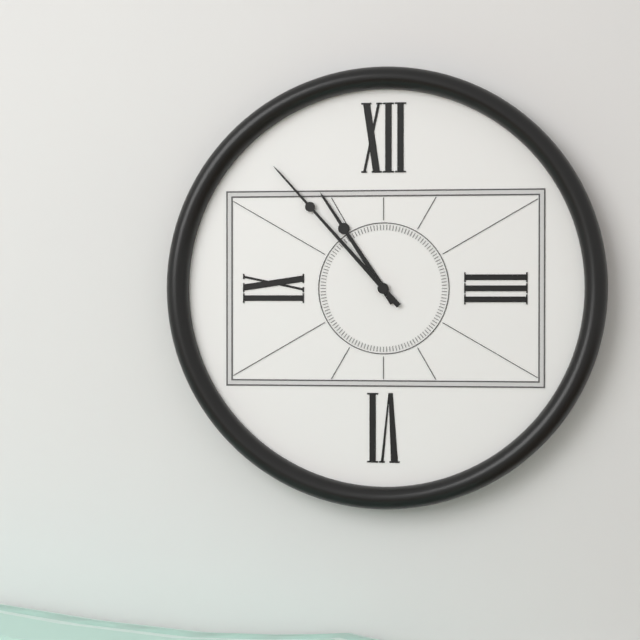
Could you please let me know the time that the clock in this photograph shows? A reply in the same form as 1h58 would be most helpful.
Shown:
10h53
